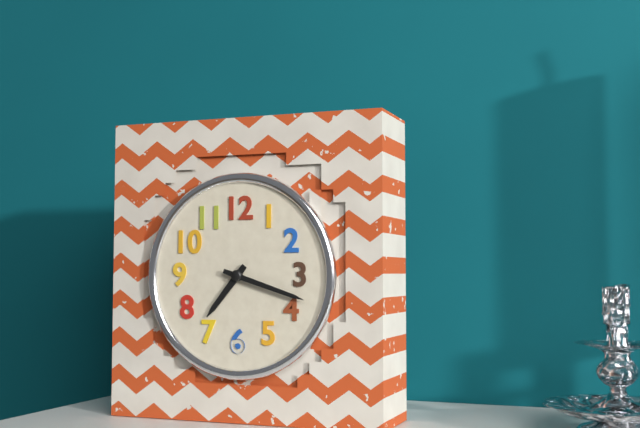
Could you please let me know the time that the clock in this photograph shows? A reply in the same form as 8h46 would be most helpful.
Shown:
7h18
